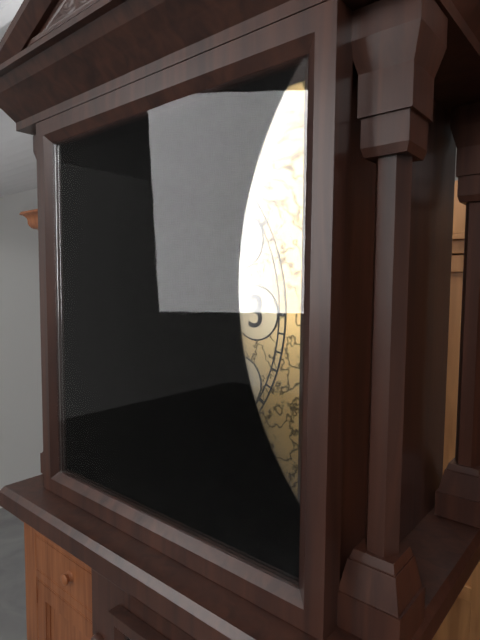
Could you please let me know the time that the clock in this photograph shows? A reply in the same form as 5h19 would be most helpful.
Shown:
1h30
